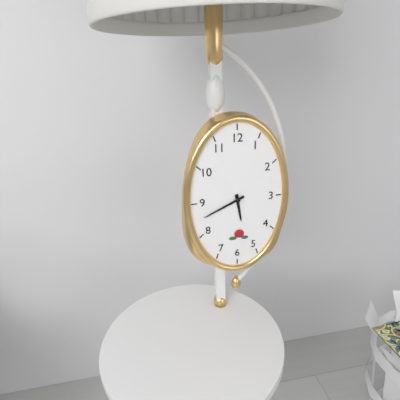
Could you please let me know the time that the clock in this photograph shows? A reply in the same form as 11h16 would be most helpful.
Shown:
5h41
